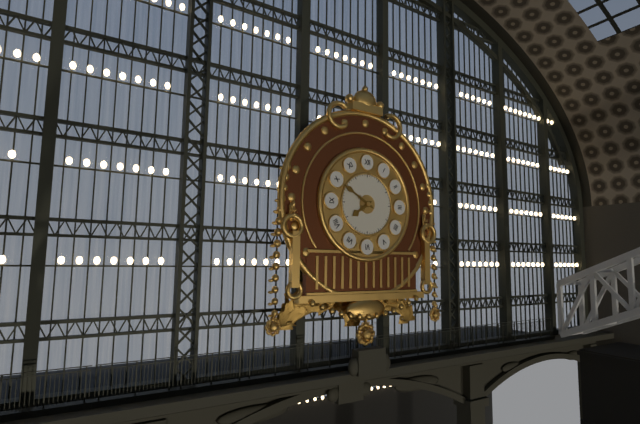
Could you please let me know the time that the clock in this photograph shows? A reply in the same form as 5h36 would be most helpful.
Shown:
7h50
